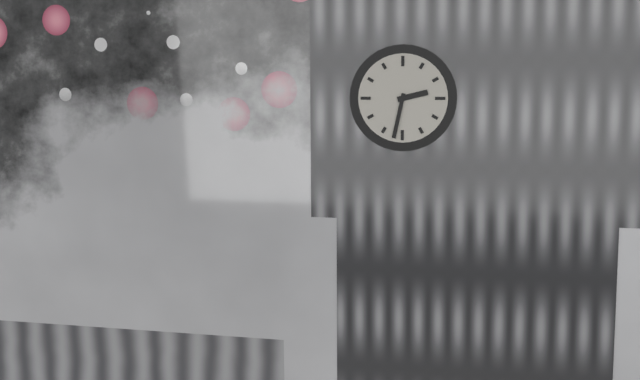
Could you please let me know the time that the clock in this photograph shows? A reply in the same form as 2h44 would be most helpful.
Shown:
2h32
